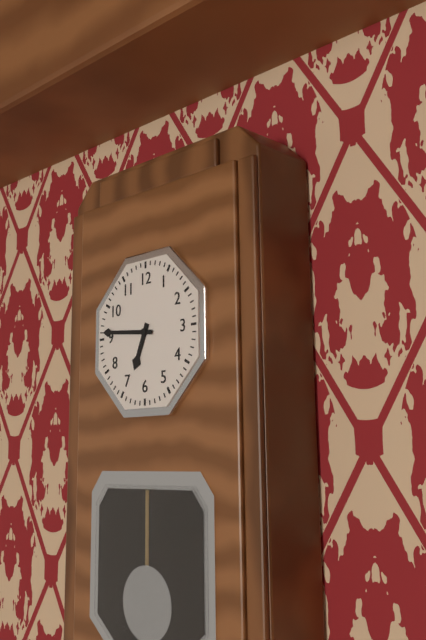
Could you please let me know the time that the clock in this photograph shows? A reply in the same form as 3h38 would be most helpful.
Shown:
6h46
